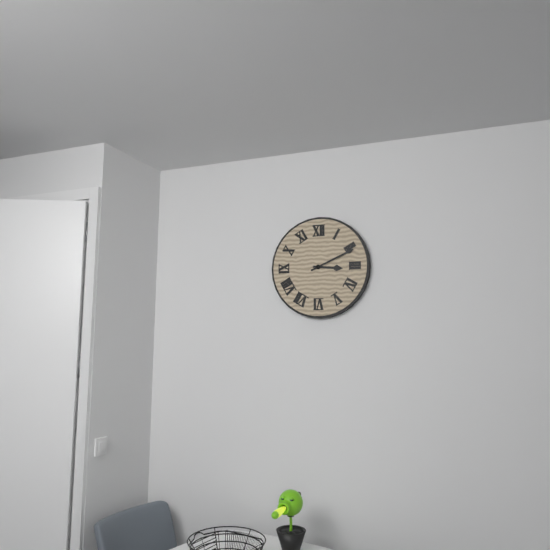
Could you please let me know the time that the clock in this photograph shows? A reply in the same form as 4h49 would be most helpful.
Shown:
3h11
